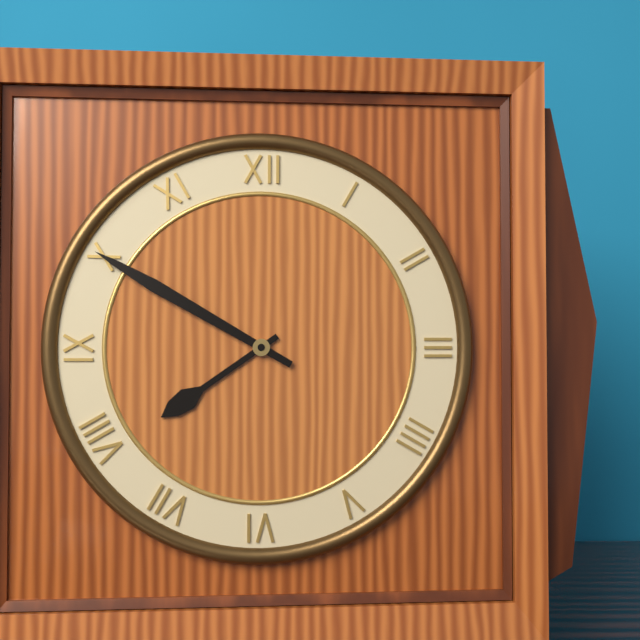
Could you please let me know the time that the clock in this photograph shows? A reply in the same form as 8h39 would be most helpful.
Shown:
7h50
